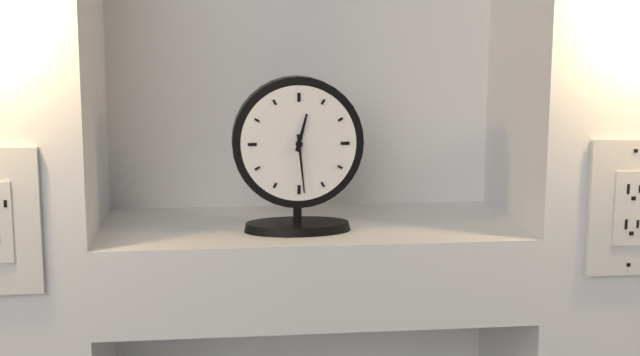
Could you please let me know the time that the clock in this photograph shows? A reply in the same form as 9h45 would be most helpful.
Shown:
12h29
